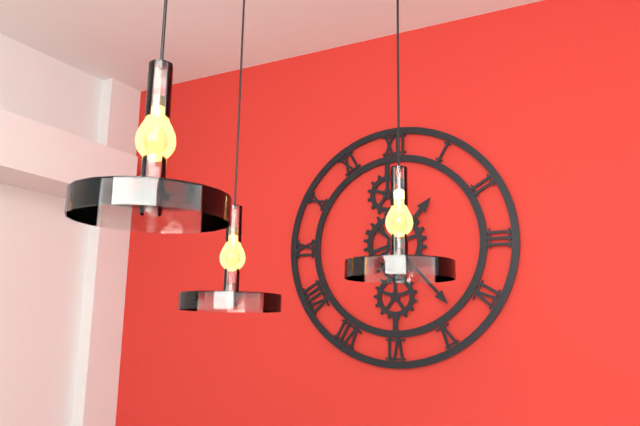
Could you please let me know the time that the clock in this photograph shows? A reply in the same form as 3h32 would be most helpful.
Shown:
1h23
